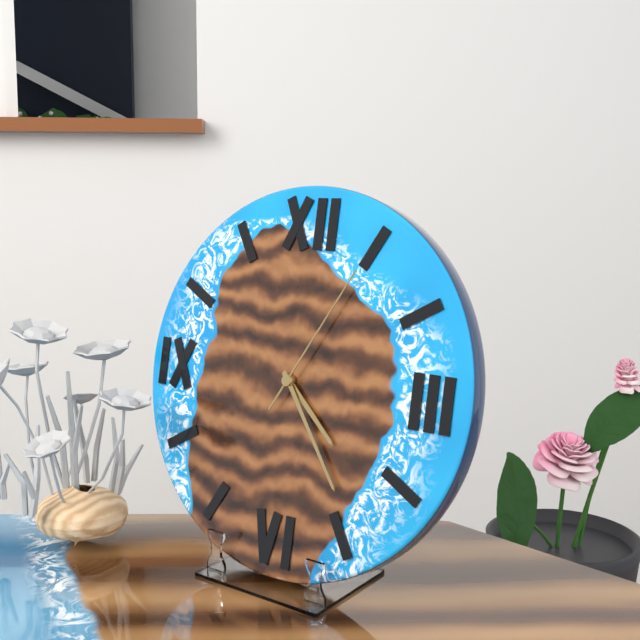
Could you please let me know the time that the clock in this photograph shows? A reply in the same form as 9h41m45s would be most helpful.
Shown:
4h24m05s
